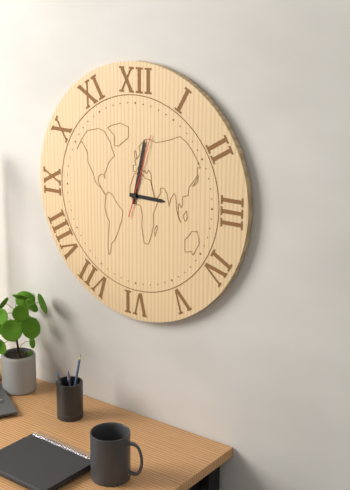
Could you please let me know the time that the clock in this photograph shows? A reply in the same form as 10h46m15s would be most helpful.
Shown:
3h02m03s
